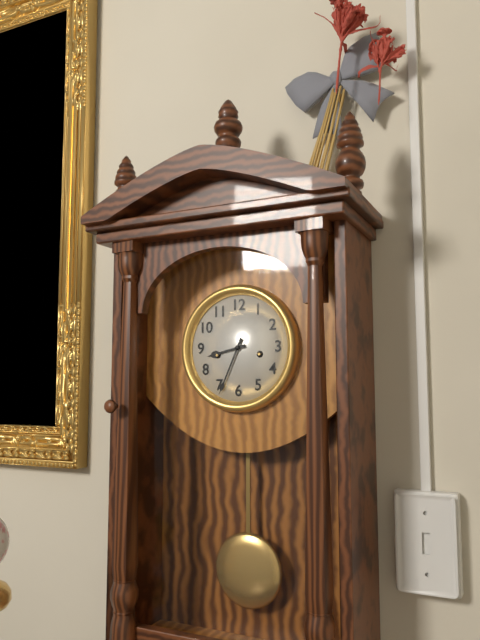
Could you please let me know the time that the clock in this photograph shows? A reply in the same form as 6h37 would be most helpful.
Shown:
8h34
